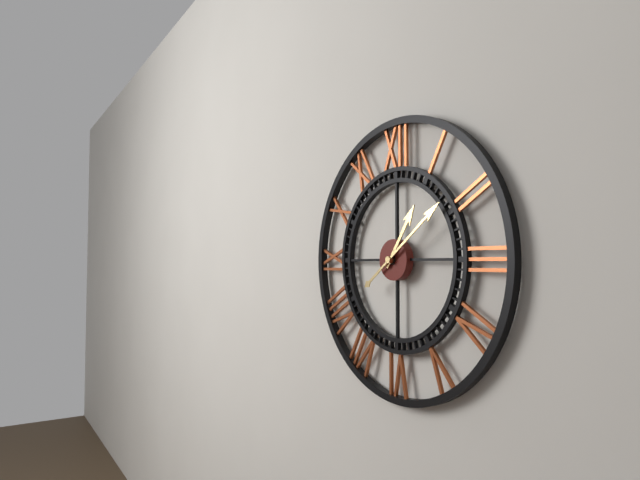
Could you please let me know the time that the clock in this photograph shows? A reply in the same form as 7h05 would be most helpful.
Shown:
1h09
